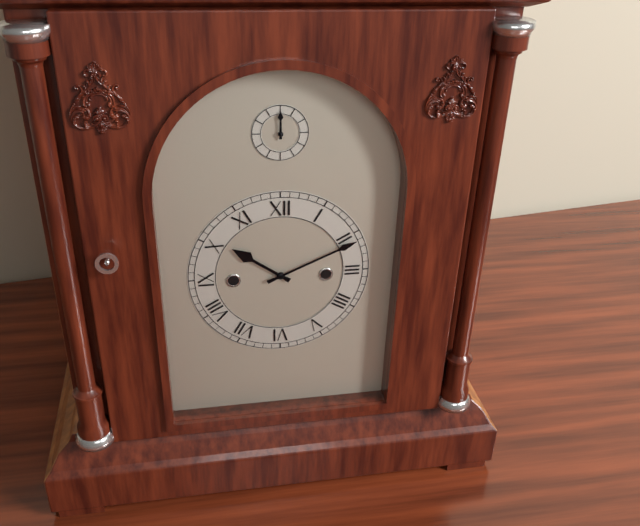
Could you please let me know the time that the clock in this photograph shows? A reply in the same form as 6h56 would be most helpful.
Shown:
10h11
